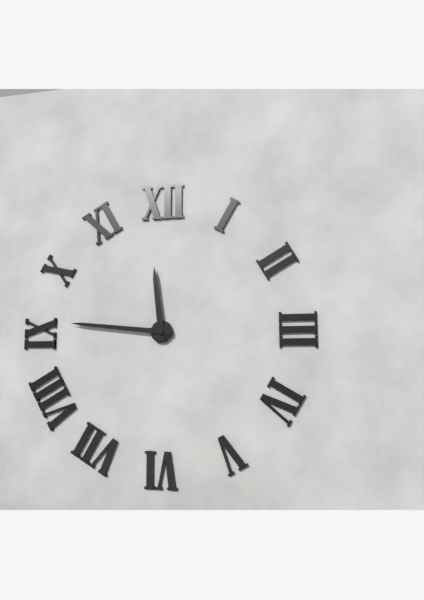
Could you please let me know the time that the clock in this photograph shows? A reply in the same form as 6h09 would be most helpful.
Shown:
11h46
